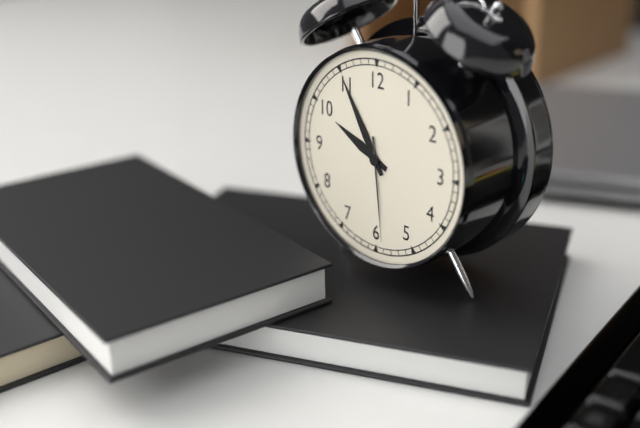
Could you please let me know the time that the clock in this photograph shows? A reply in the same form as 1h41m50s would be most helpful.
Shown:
9h55m29s
